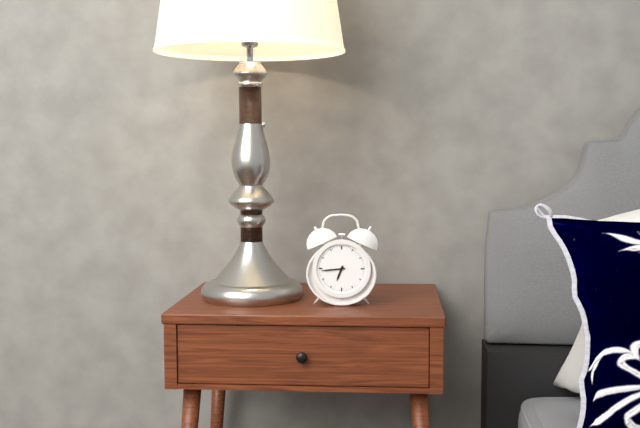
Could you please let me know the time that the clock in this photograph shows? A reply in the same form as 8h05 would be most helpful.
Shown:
6h44
